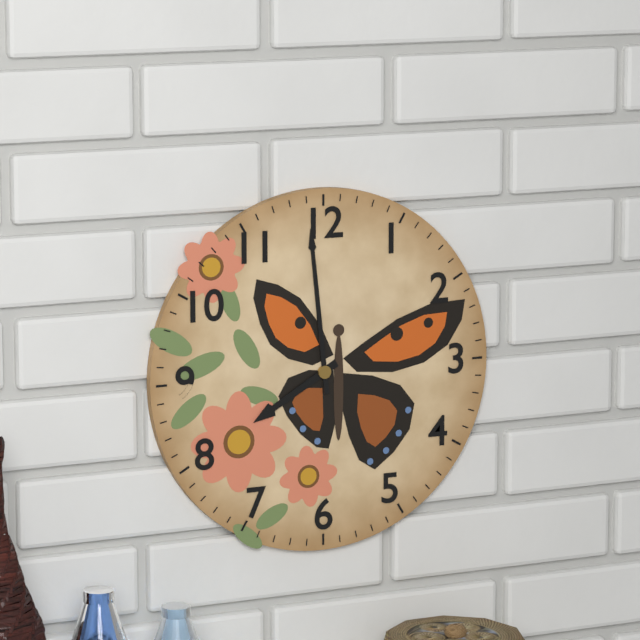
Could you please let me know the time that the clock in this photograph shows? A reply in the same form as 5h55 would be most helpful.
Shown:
7h59
